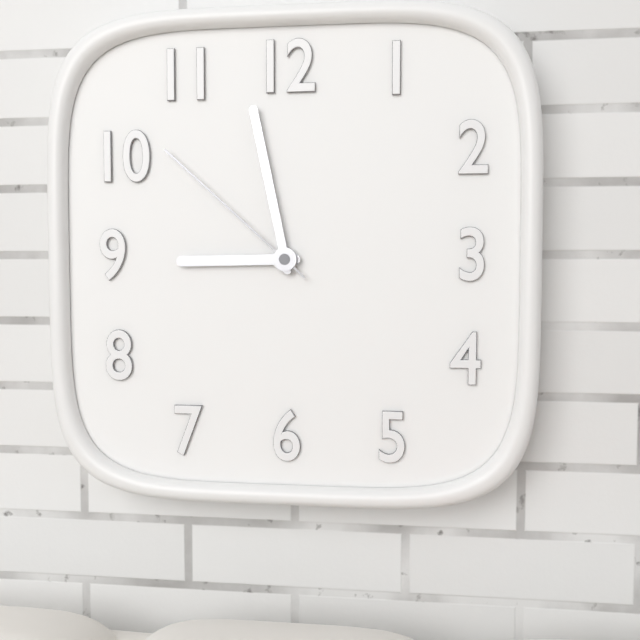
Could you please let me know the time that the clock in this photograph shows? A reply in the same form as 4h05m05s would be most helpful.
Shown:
8h58m52s
